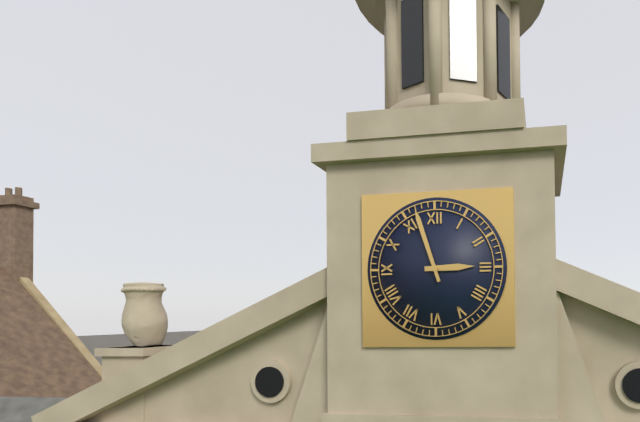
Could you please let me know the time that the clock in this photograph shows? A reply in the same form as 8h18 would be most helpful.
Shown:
2h57
